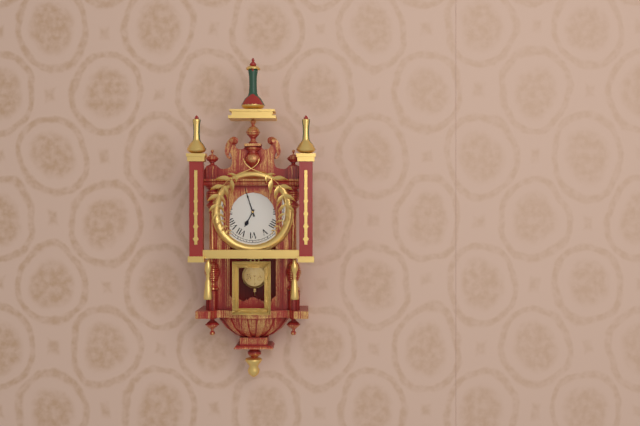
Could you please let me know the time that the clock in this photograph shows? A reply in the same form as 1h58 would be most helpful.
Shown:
6h57
